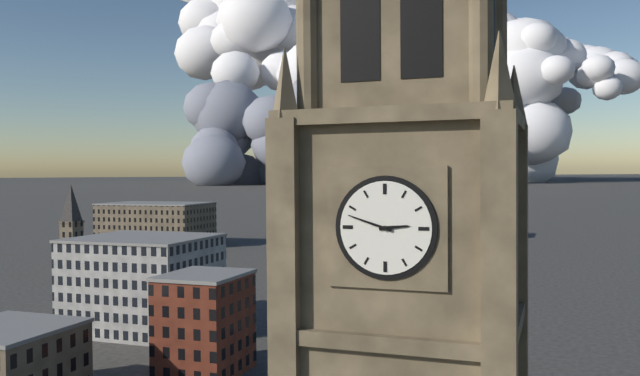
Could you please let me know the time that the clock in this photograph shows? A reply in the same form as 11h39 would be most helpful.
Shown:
2h48
